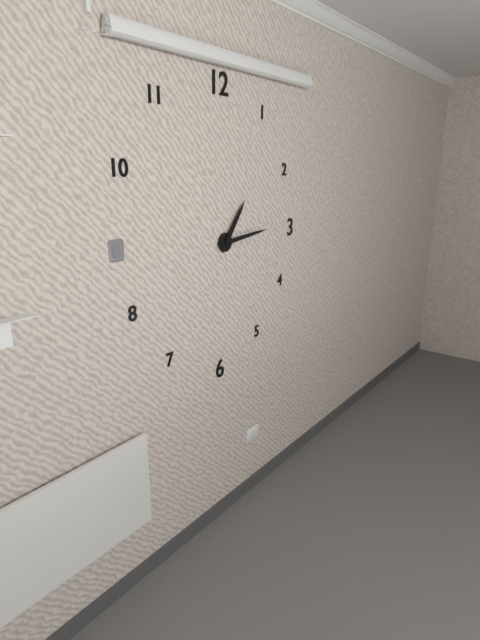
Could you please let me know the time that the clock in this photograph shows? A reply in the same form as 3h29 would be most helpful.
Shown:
1h14
